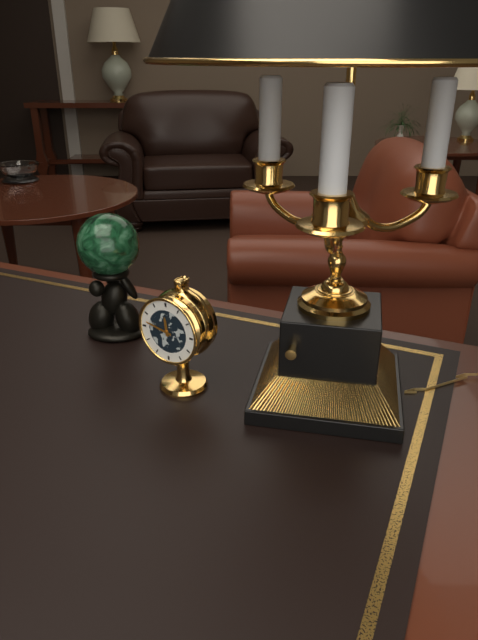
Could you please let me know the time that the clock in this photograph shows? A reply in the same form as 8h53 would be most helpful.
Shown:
11h47
